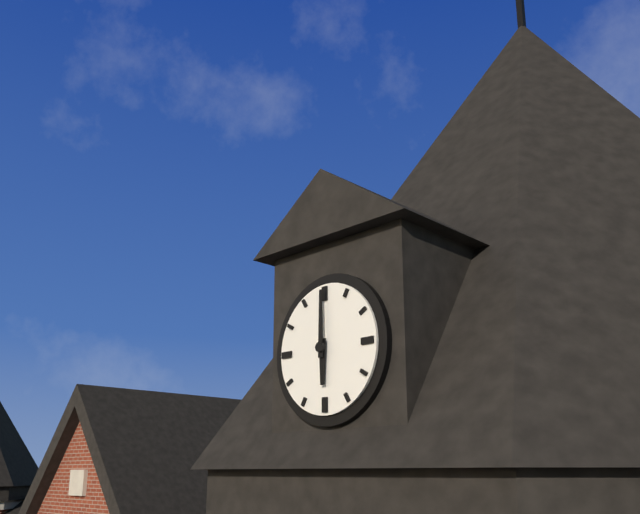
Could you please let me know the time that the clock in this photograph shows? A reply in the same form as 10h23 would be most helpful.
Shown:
6h00
